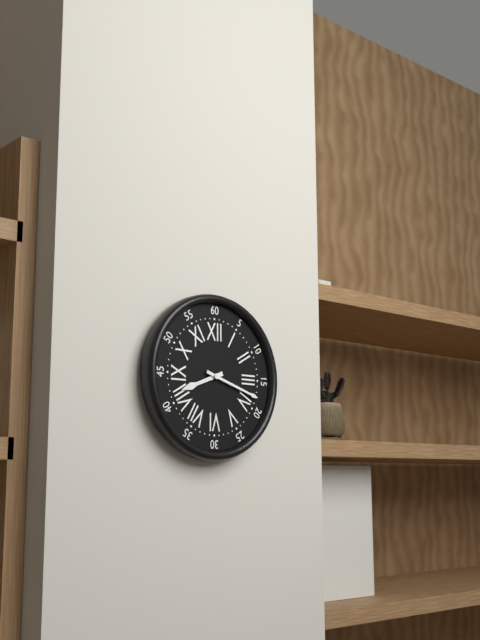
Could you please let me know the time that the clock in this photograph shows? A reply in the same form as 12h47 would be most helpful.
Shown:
8h18
